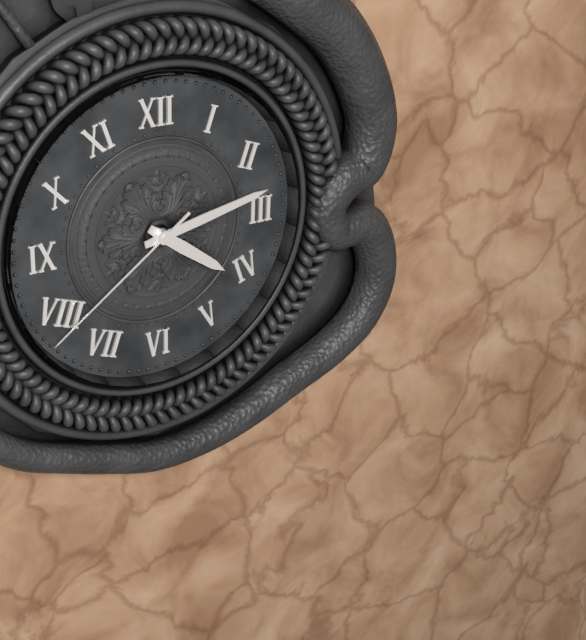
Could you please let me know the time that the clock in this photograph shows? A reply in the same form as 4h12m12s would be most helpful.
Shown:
4h13m39s
